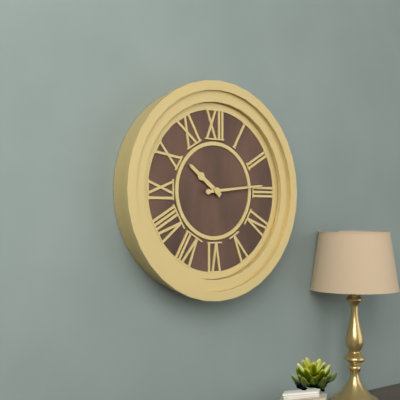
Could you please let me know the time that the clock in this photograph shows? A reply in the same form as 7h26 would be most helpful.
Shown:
10h14
